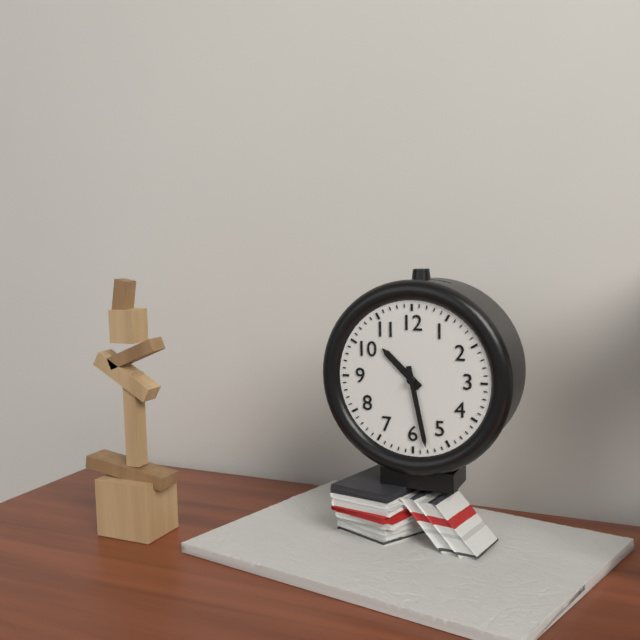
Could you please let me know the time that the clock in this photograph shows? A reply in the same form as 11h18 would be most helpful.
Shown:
10h28
